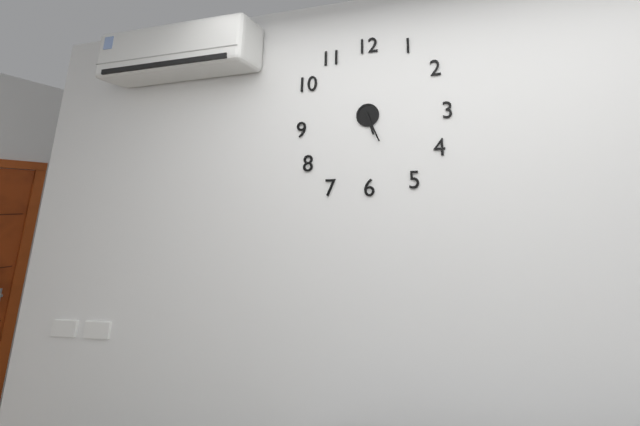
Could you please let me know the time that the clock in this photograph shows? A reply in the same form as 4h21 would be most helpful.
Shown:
5h26
